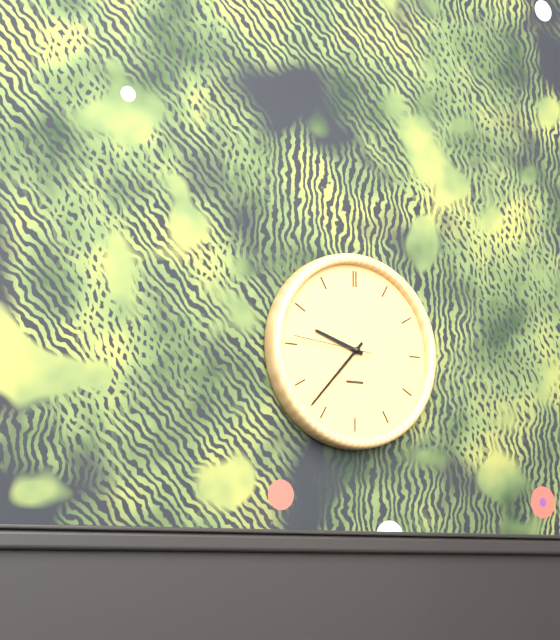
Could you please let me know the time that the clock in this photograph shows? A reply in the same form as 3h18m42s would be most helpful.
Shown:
9h37m46s
